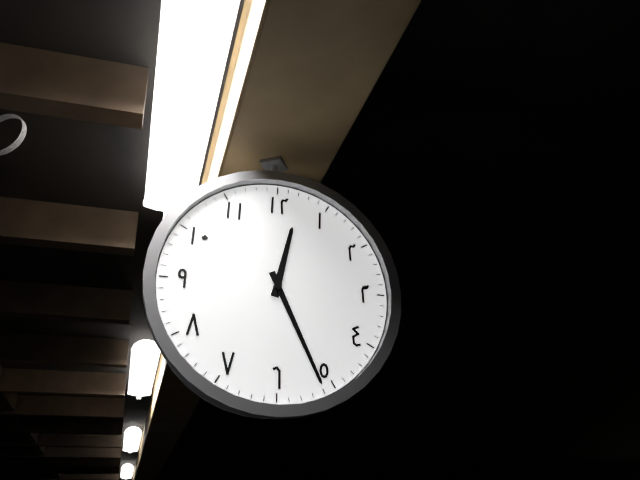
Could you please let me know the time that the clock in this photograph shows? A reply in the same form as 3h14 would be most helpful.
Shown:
12h26
